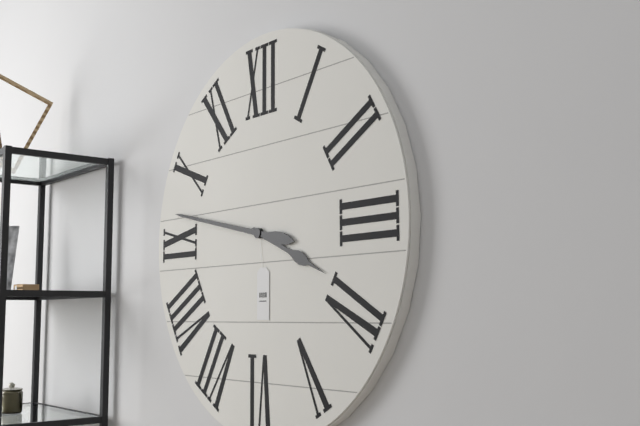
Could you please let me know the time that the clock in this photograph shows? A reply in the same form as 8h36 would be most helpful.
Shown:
3h47
